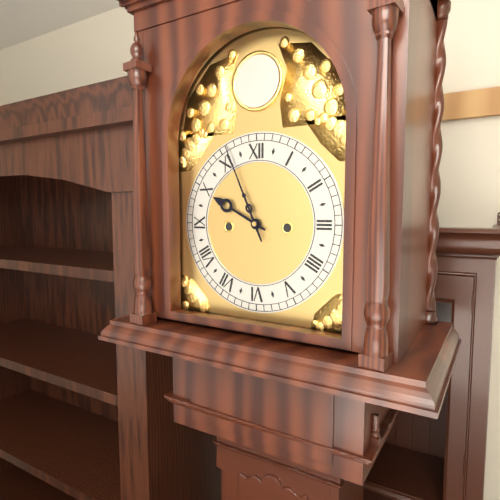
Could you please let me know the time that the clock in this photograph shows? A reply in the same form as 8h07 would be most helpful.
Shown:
9h56
